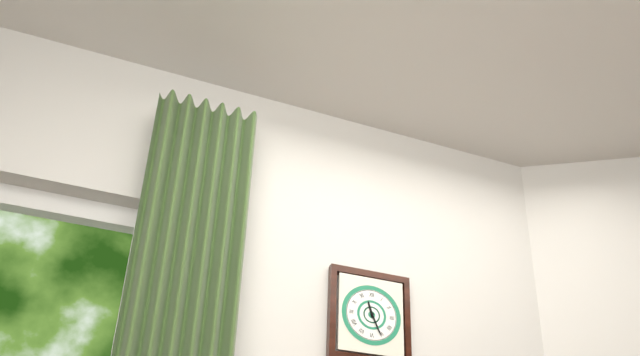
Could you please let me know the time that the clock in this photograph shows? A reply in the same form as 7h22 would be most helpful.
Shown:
11h26
